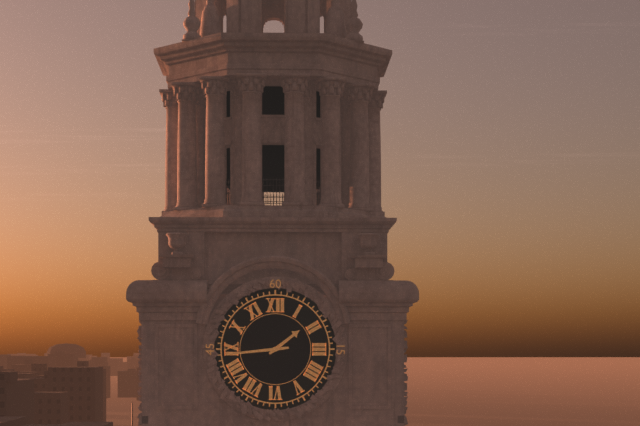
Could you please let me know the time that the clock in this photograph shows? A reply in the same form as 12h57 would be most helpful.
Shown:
1h44
